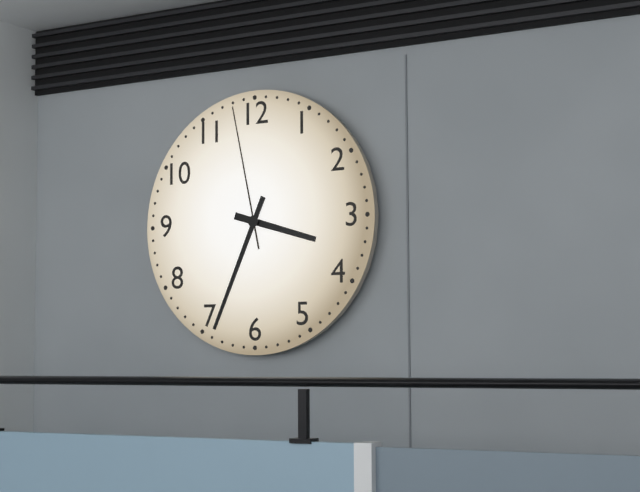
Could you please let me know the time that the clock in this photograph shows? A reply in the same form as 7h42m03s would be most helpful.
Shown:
3h34m58s
